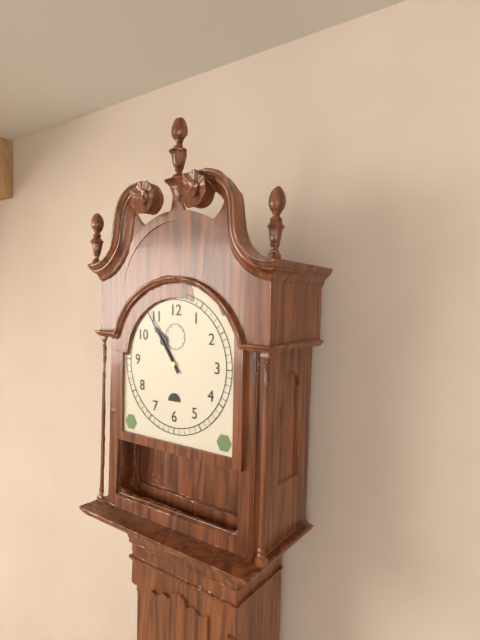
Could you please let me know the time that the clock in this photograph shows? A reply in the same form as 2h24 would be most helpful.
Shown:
10h54
